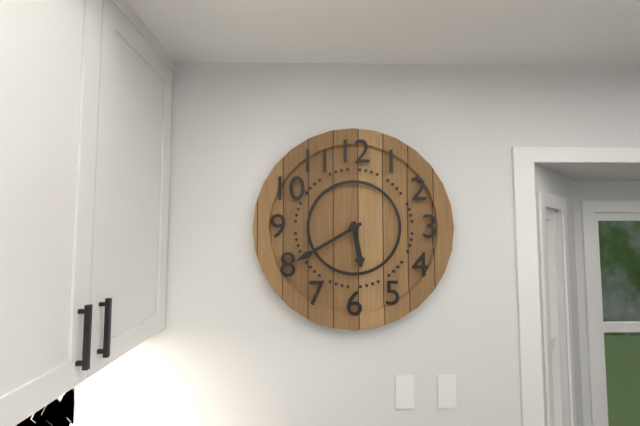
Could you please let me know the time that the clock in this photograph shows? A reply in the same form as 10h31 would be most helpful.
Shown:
5h40
